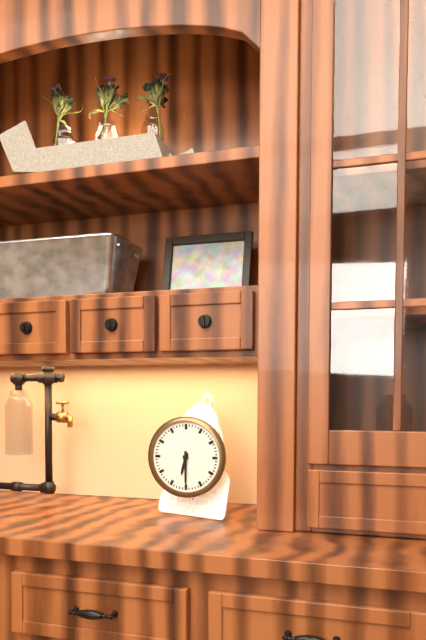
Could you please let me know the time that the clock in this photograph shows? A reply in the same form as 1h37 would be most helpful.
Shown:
6h30
